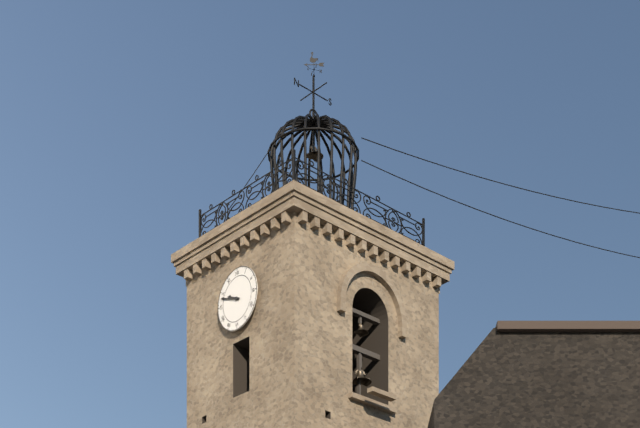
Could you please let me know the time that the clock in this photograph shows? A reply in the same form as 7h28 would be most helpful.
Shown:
9h48
